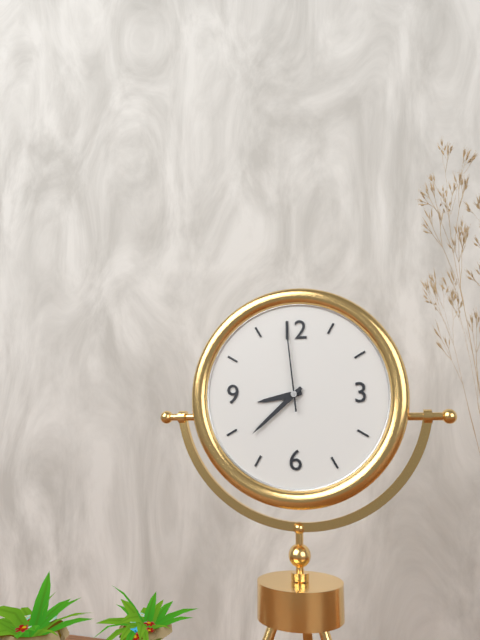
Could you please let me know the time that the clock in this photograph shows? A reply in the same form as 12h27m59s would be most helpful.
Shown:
8h38m59s
